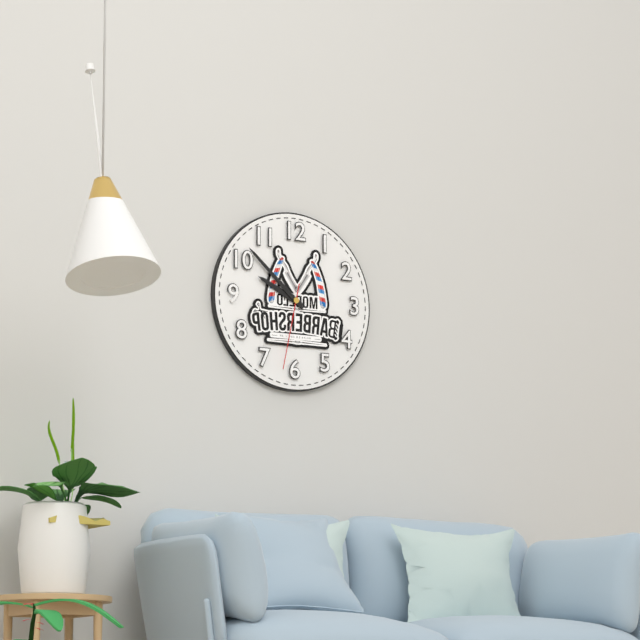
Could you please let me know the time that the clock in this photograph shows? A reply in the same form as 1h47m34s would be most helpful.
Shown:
9h52m32s
